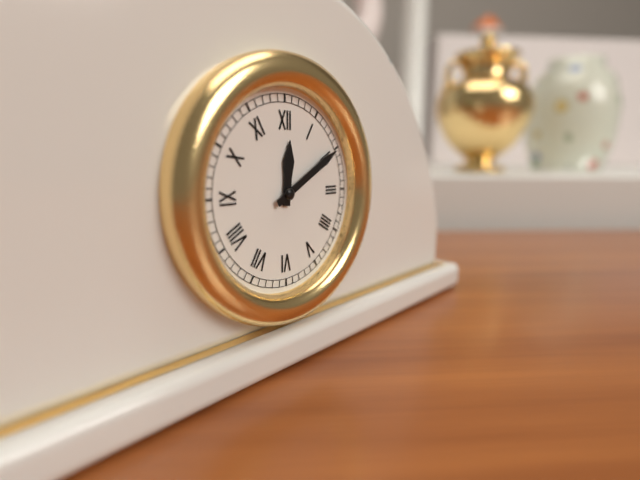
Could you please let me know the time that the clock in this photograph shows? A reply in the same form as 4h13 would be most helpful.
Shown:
12h10
